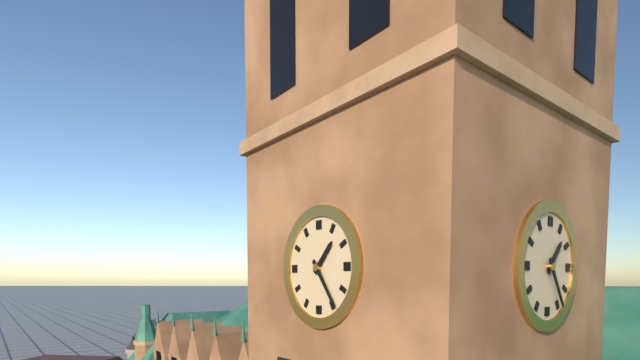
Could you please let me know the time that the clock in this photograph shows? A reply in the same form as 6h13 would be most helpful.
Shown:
1h24
